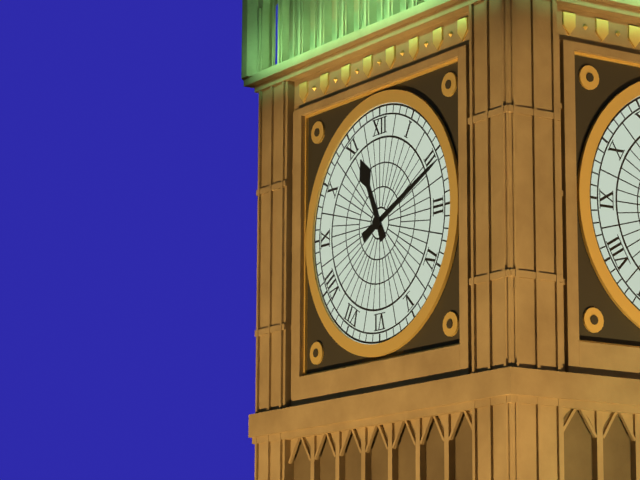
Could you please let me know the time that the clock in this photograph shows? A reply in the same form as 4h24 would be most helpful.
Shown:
11h11
